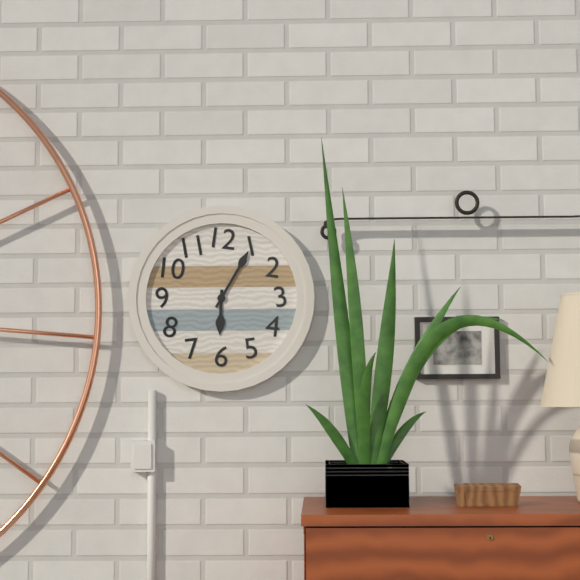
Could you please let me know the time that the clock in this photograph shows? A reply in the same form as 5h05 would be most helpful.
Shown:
6h05
